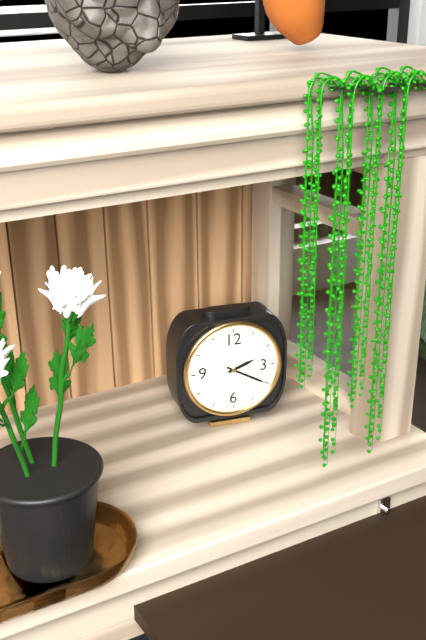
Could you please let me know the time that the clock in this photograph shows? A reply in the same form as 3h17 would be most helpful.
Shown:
2h20
